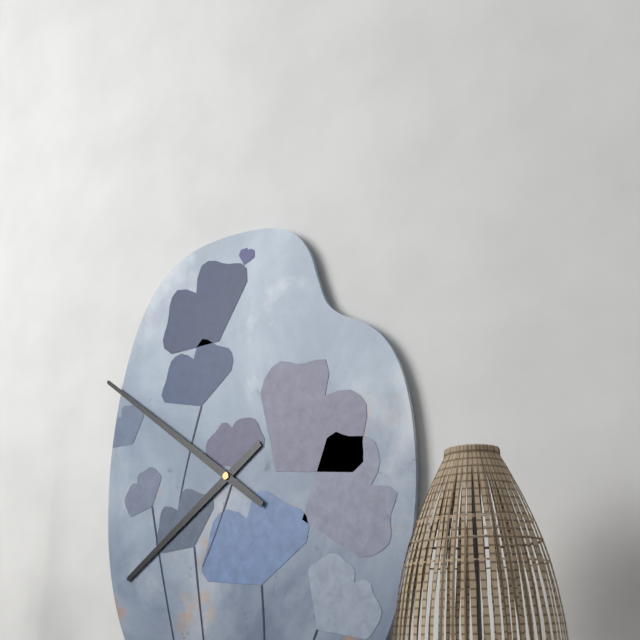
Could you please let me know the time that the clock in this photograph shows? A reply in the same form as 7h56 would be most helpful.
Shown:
7h51
